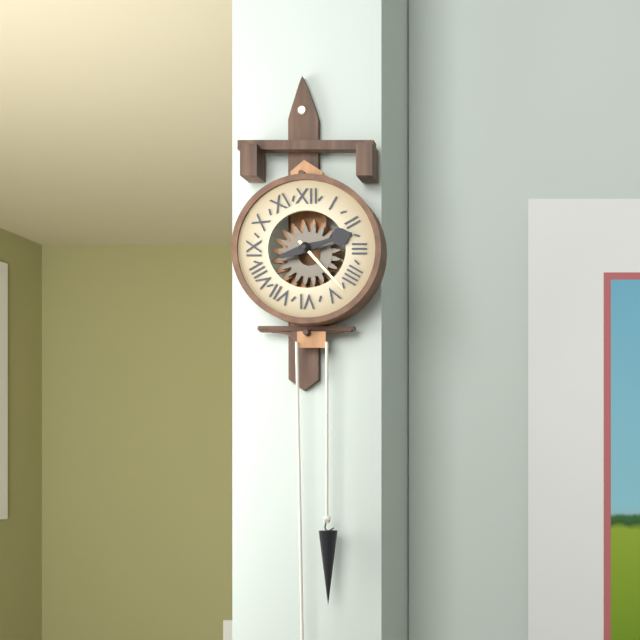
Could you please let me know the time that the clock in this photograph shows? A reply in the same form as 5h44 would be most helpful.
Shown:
2h23
